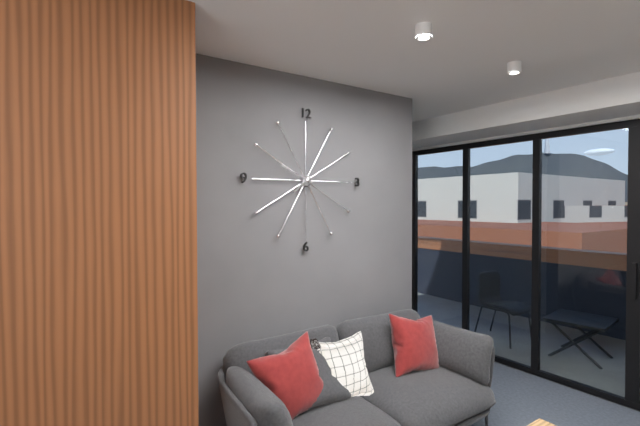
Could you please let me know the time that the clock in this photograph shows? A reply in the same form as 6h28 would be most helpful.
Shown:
7h49
